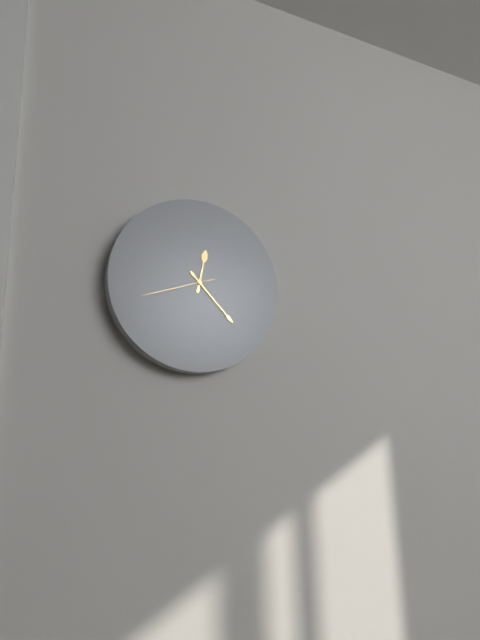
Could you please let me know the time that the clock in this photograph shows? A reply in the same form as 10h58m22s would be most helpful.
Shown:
12h23m42s
